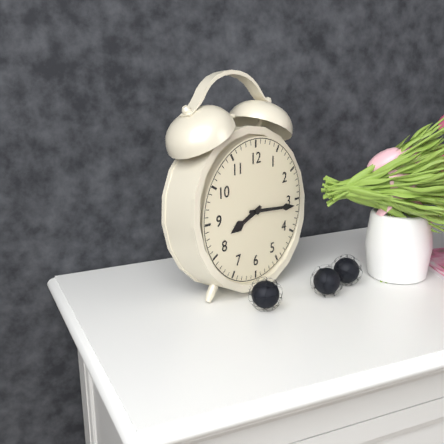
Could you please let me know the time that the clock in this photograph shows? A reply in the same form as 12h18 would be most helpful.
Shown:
8h16
